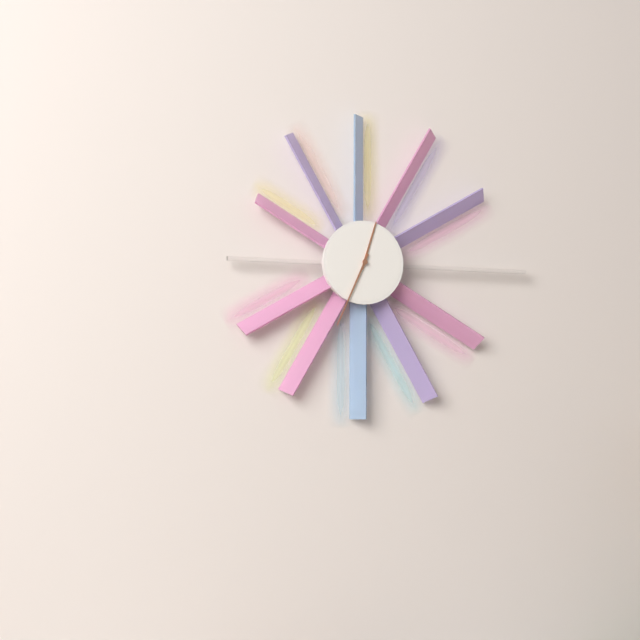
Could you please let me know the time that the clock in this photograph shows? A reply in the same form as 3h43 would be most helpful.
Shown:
12h34
